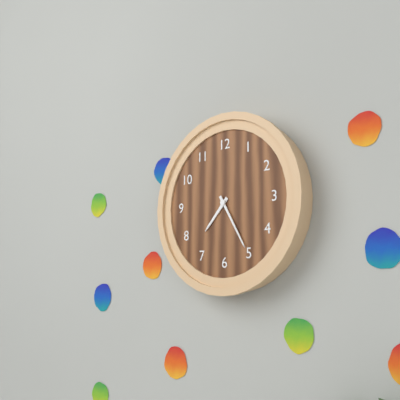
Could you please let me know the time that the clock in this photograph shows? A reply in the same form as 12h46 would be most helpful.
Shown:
7h25
